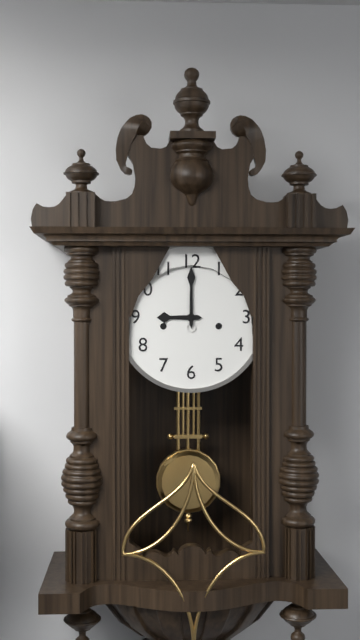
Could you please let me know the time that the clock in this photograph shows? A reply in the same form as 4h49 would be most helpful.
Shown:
9h00
